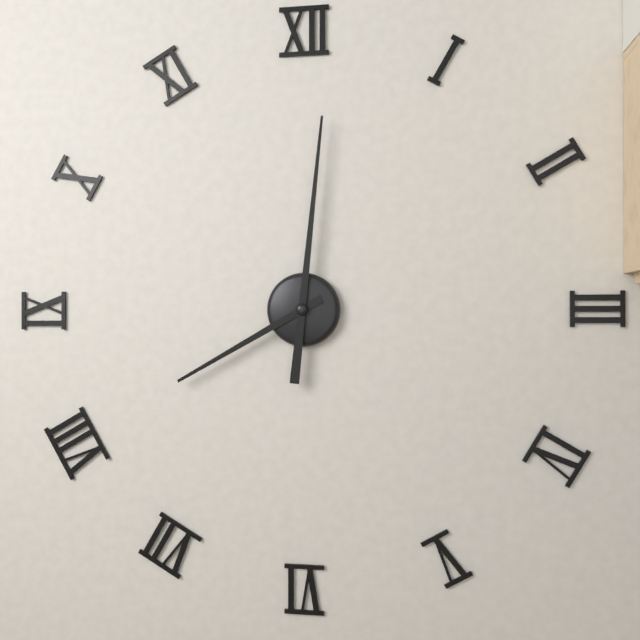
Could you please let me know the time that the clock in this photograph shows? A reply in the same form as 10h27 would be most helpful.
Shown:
8h01
